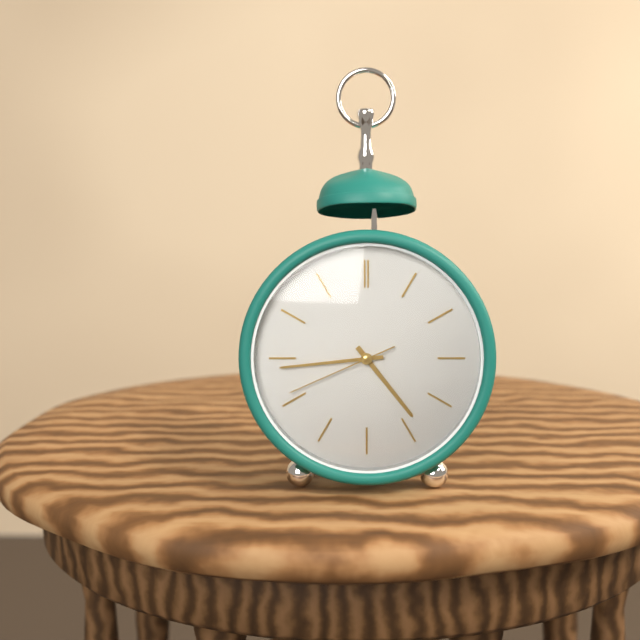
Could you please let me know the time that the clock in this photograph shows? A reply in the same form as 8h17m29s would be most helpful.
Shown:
4h44m41s
